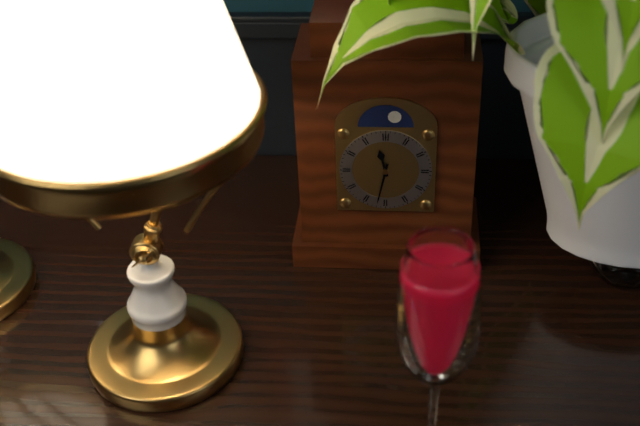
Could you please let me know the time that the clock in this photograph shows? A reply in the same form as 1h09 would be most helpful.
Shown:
11h32
